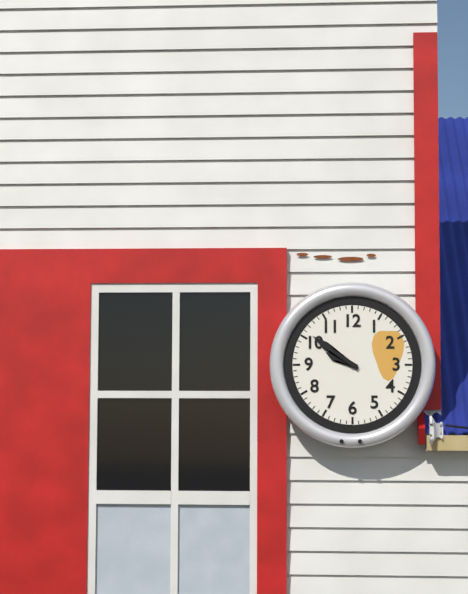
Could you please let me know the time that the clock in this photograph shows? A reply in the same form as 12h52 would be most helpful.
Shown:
9h51
